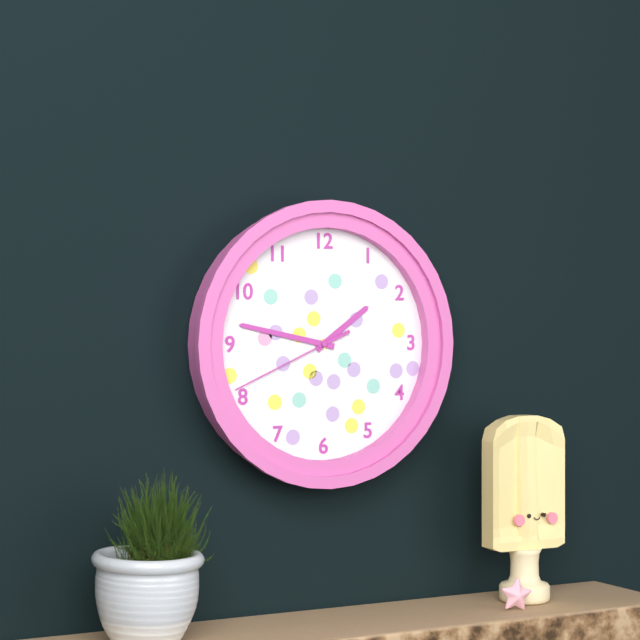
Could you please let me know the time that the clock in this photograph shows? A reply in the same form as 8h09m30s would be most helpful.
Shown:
1h47m41s
